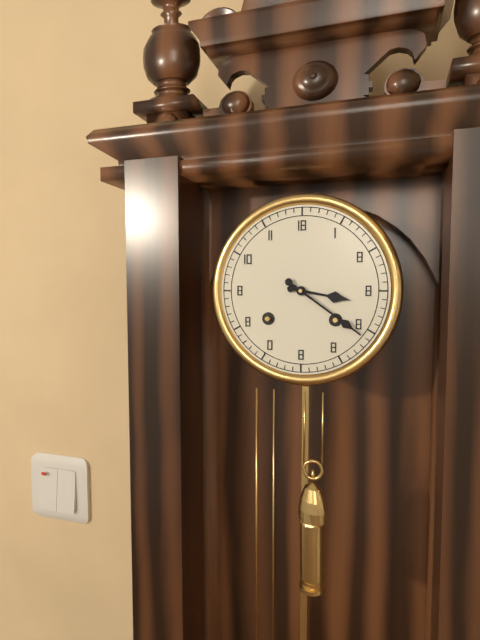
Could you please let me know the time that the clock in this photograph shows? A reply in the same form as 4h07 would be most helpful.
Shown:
3h21
